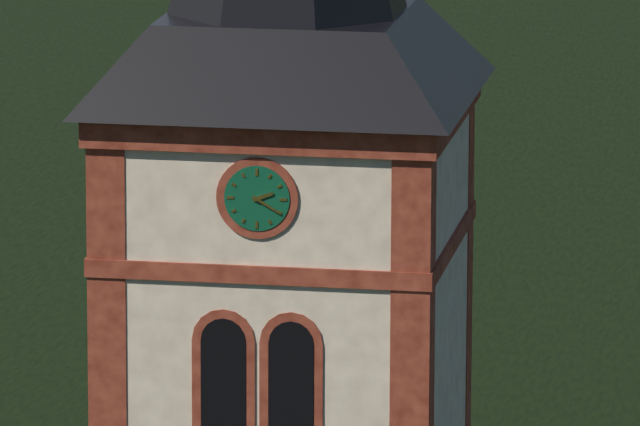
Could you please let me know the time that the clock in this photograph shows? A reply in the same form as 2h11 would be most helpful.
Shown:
2h20
